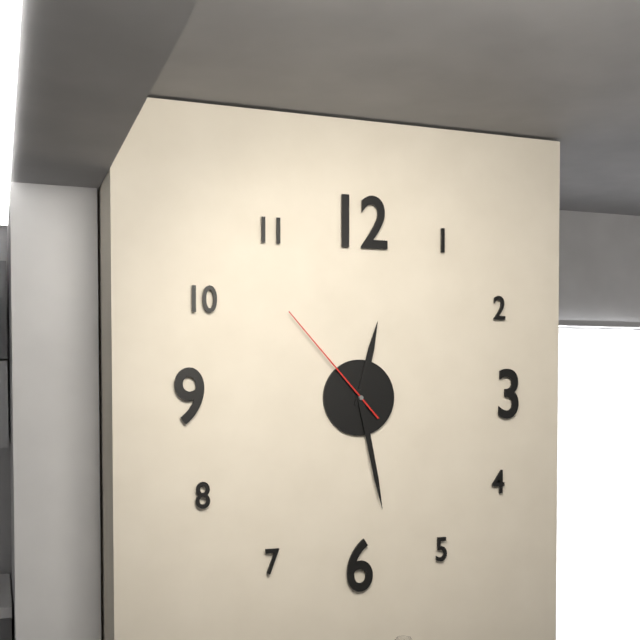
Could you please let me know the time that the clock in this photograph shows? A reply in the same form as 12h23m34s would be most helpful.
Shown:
12h28m53s
